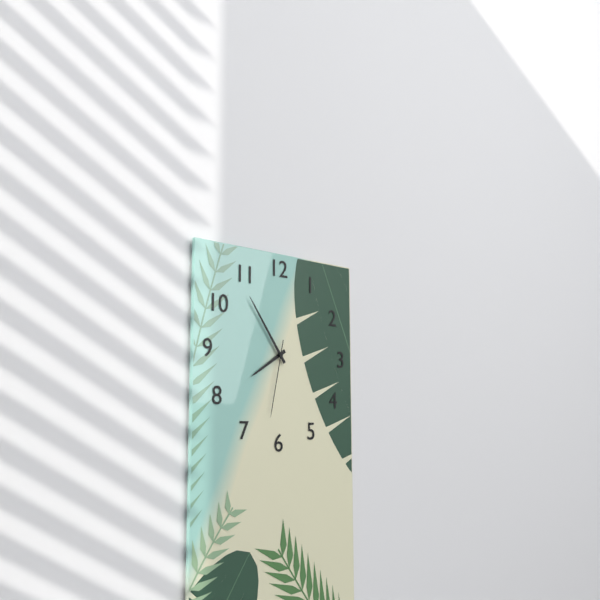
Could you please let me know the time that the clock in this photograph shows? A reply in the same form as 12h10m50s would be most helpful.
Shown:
7h54m32s
